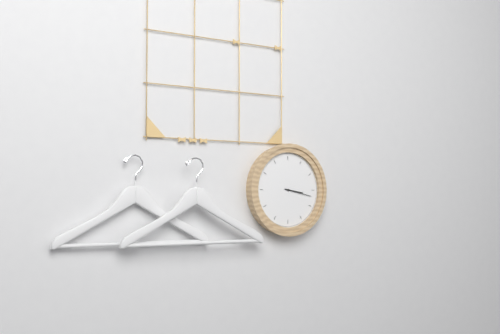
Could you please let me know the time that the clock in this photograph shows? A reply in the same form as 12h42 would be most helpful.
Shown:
3h17
